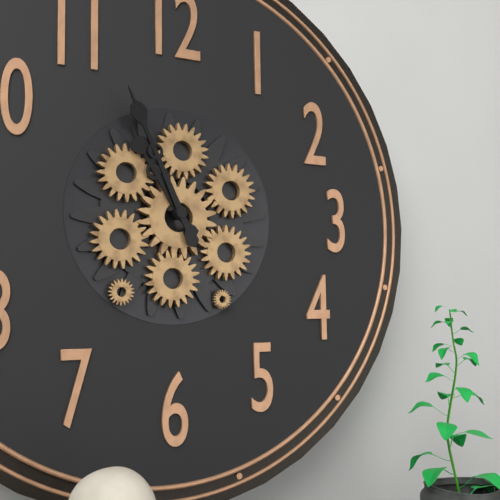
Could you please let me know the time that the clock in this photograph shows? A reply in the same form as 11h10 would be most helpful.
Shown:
10h56
